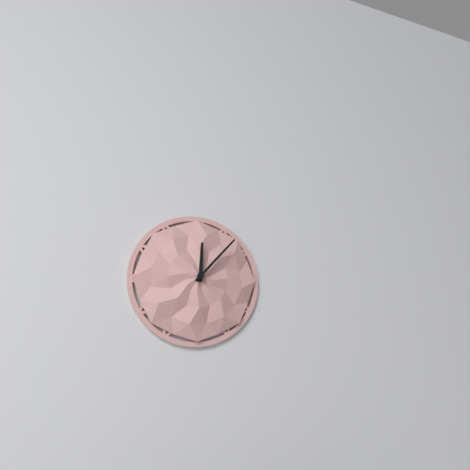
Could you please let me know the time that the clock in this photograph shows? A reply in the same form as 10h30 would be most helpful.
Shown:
12h07
